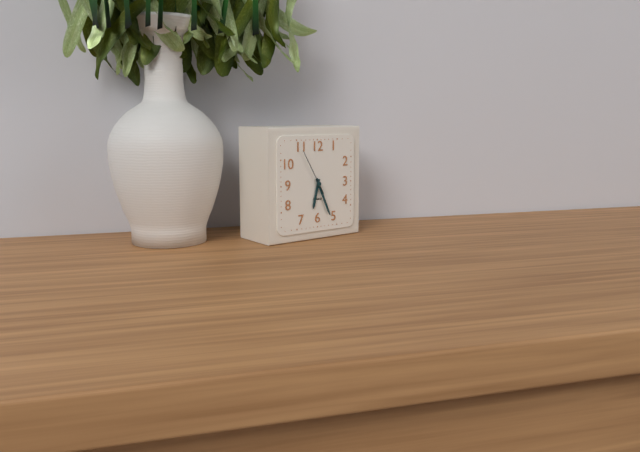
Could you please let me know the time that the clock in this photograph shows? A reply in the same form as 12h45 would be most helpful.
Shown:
6h26
